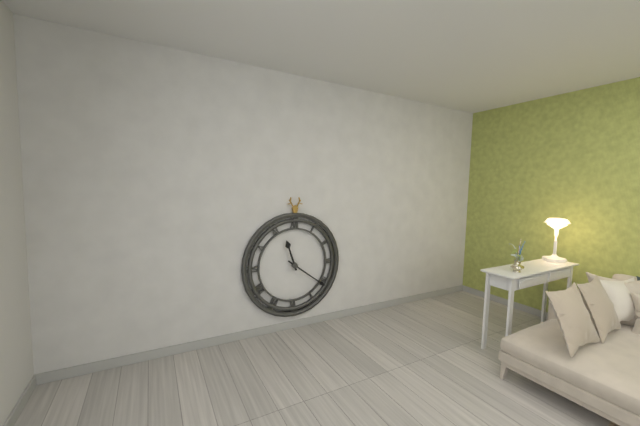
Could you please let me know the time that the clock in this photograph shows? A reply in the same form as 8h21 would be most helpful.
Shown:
11h21
